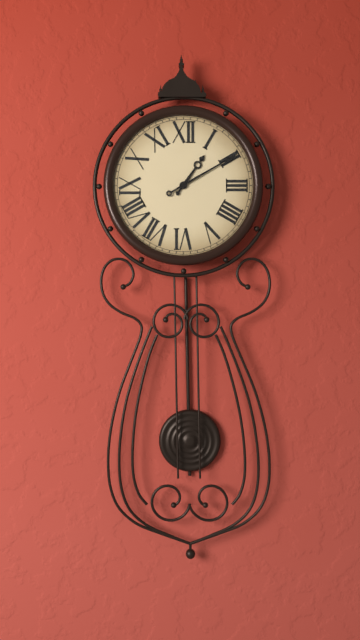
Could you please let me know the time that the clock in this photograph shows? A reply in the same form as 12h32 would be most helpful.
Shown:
1h10
